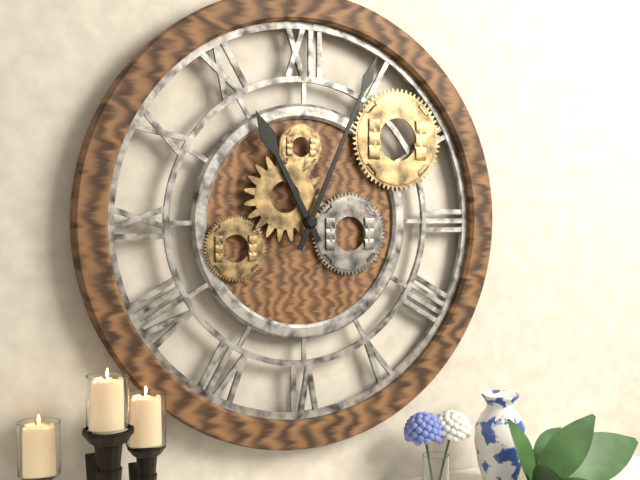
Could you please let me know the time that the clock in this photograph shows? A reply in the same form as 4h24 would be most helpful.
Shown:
11h04
